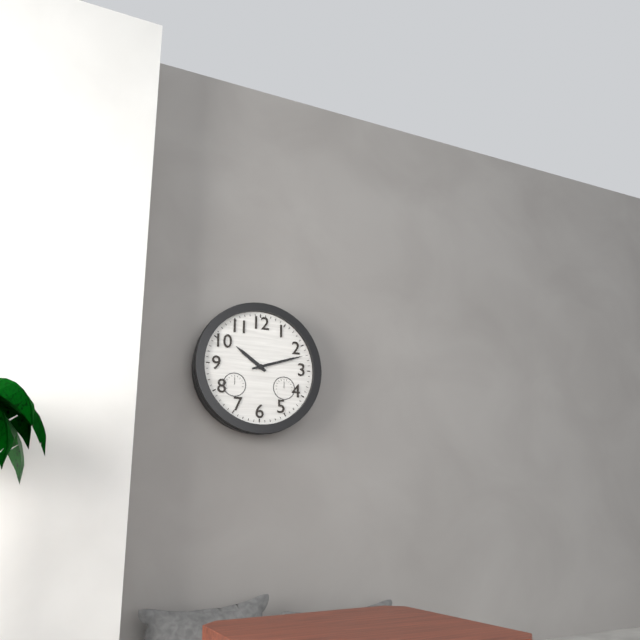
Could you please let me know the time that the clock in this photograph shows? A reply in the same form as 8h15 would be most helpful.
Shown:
10h12
